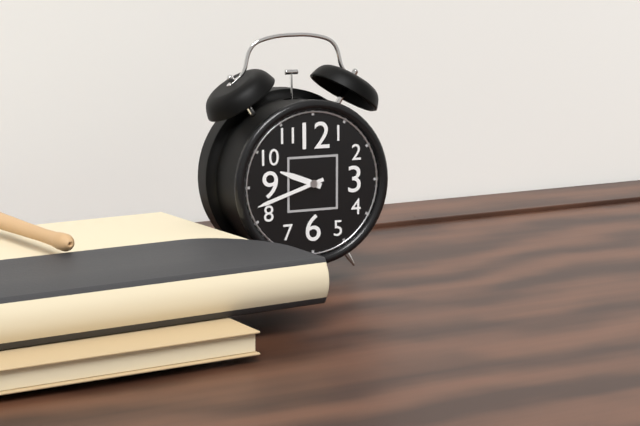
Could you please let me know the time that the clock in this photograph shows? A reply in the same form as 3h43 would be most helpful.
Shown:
9h42
